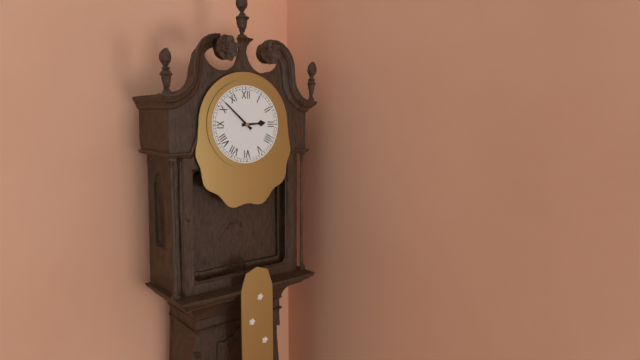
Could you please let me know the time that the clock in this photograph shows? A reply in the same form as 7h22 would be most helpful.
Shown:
2h52
